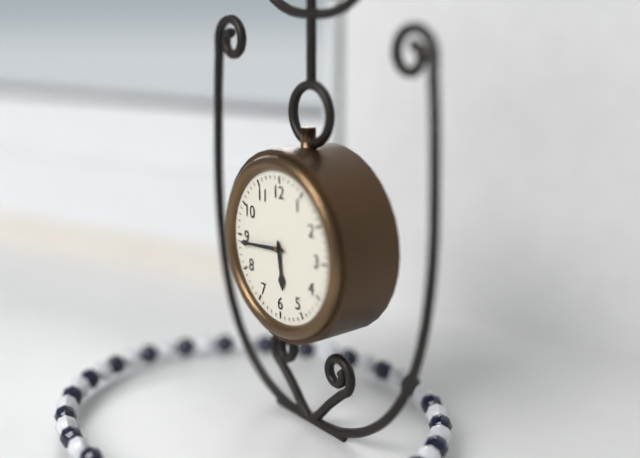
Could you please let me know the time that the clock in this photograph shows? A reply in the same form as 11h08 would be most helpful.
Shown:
5h44
